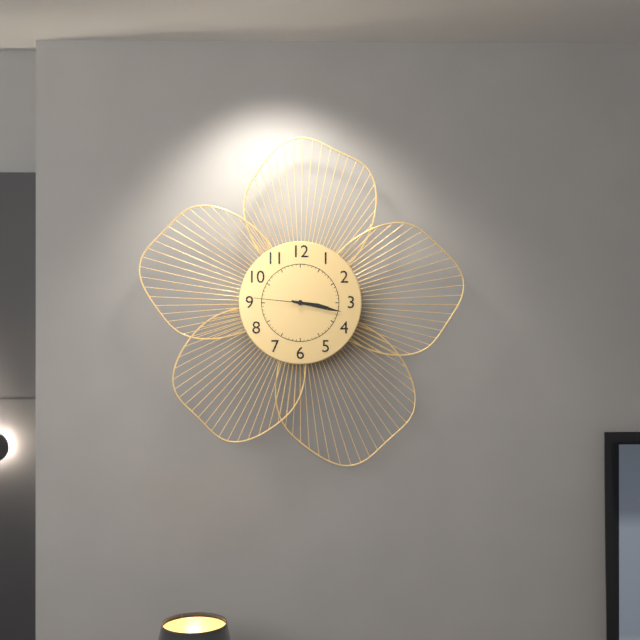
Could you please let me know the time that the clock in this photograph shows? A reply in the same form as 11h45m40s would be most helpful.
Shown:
3h17m46s
